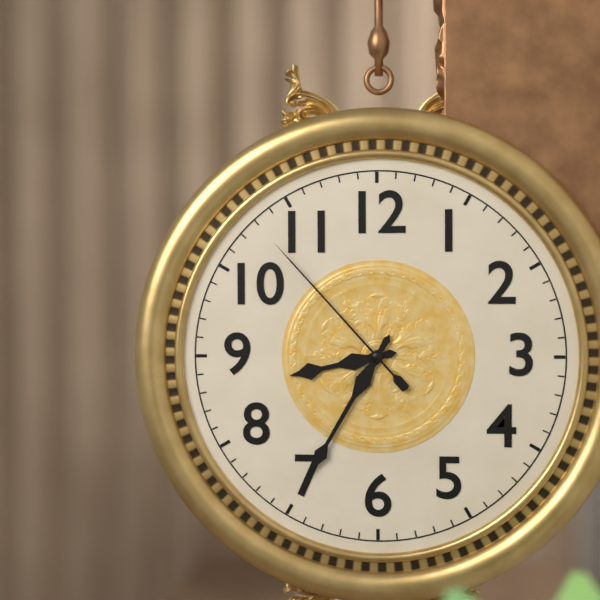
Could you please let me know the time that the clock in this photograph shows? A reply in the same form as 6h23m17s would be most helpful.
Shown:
8h35m53s
